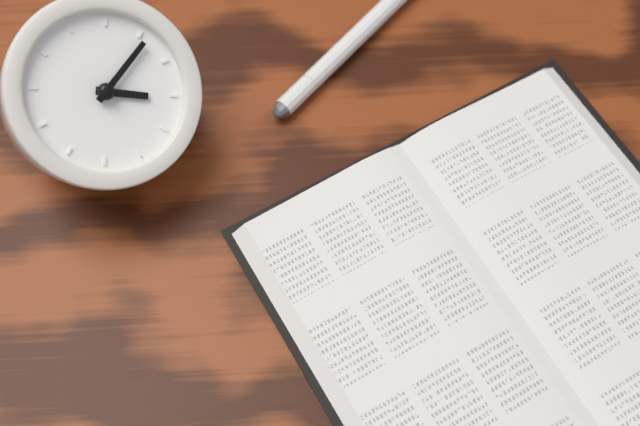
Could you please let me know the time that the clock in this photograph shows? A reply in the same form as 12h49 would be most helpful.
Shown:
3h06
